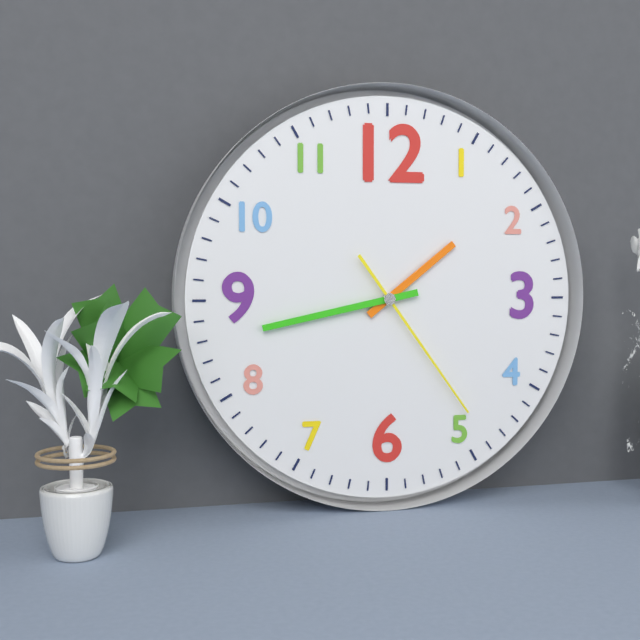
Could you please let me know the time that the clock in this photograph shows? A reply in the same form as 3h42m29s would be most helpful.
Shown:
1h43m24s
